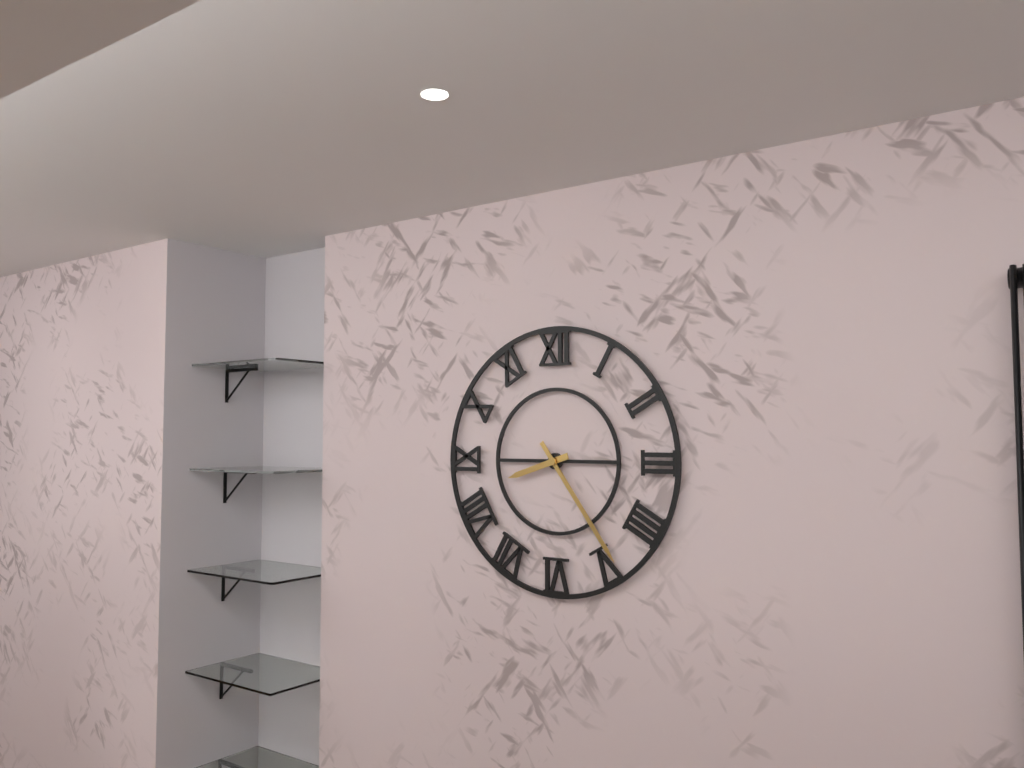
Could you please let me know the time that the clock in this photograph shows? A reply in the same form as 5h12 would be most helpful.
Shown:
8h24
